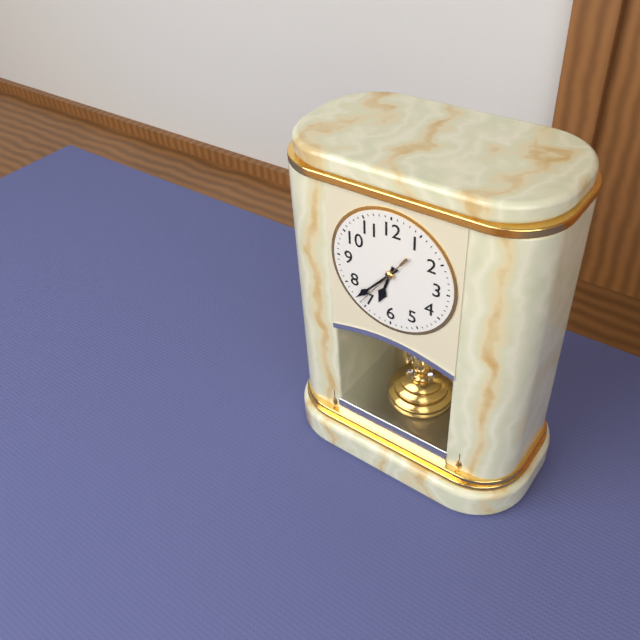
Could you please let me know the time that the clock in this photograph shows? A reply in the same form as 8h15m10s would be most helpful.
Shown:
6h37m36s
